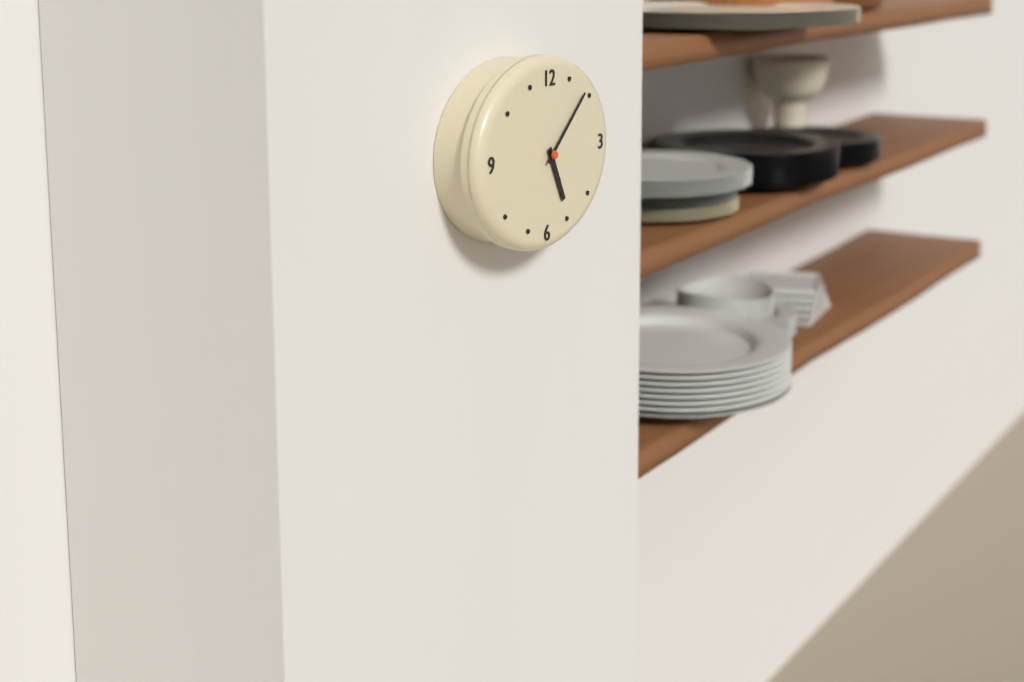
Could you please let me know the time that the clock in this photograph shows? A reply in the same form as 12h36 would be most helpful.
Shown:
5h08
